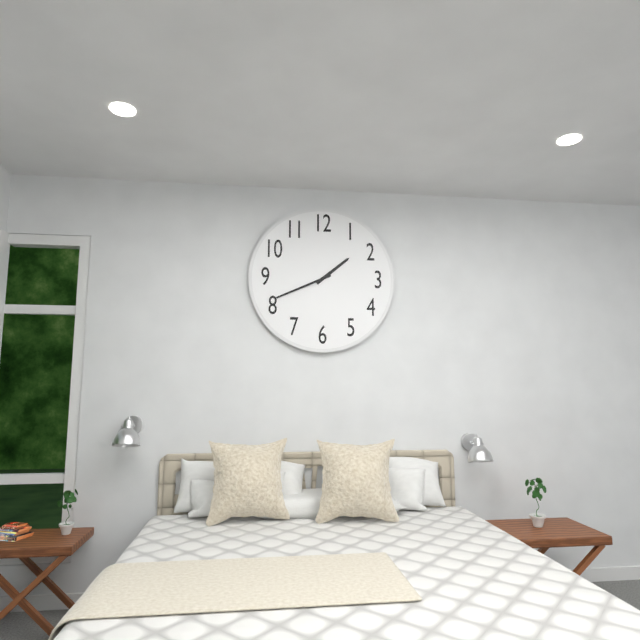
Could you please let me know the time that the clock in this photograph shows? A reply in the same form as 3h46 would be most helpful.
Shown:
1h41
